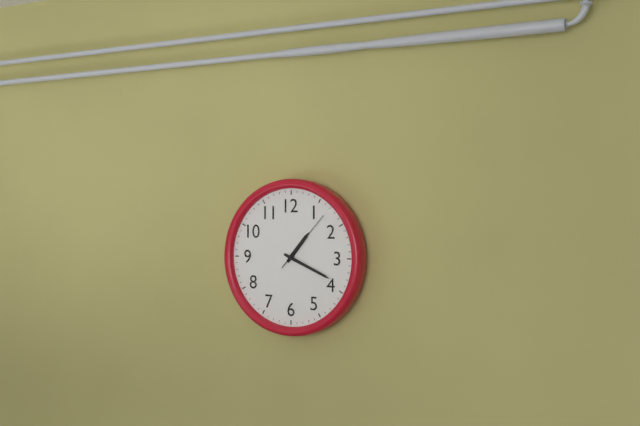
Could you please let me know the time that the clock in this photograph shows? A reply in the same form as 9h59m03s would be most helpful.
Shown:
1h19m07s
